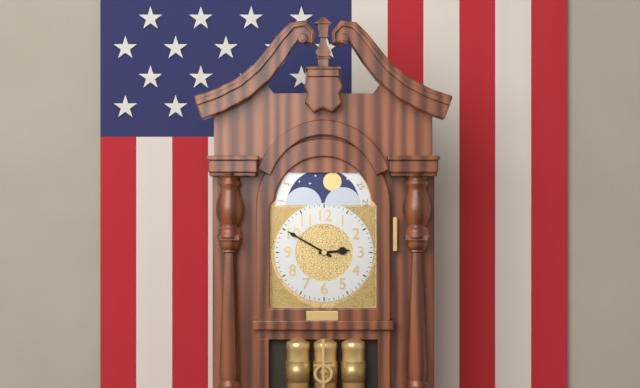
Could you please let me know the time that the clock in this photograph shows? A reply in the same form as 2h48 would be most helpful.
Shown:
2h50
